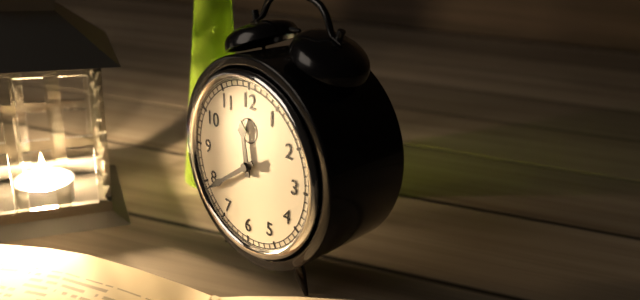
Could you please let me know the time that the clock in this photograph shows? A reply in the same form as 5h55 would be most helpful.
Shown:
11h39
